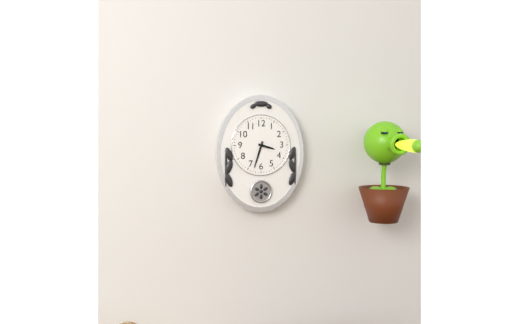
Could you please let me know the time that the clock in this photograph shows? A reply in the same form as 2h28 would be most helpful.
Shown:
3h33
